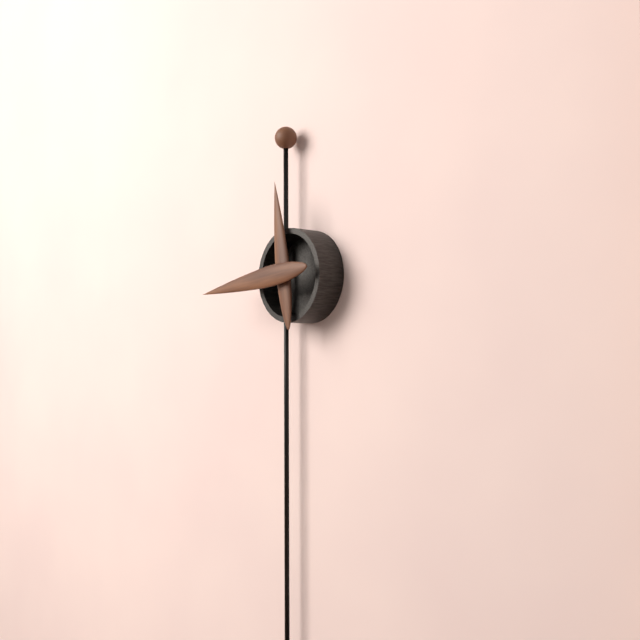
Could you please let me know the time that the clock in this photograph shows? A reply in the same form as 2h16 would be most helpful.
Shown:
11h44
